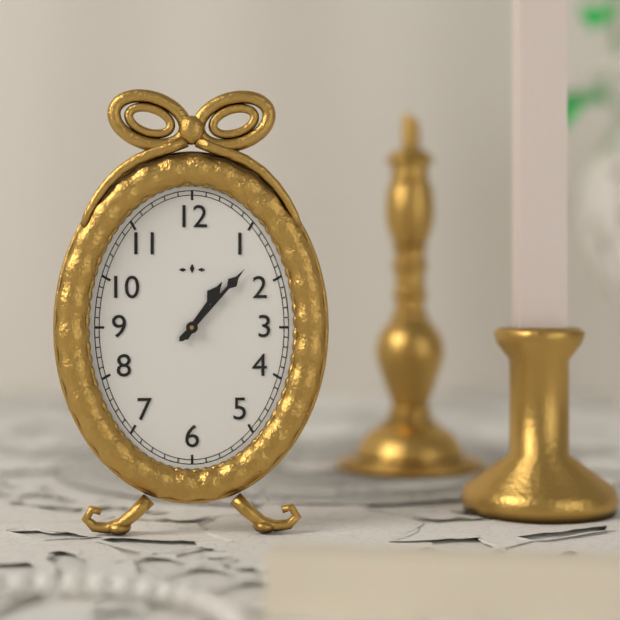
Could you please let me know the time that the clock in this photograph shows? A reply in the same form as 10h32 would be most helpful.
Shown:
1h07
